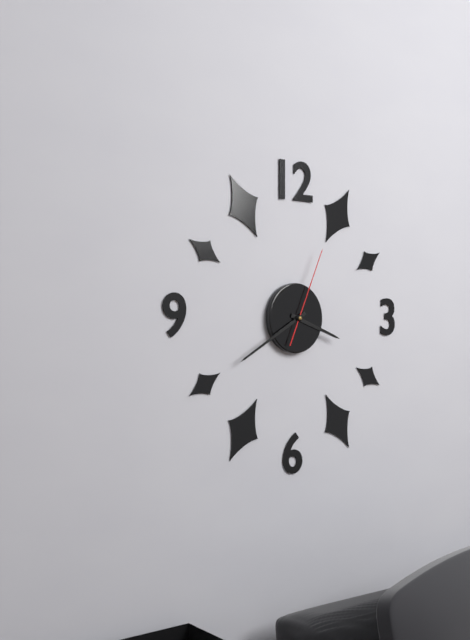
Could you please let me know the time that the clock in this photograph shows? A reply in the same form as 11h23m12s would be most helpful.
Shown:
3h40m04s
